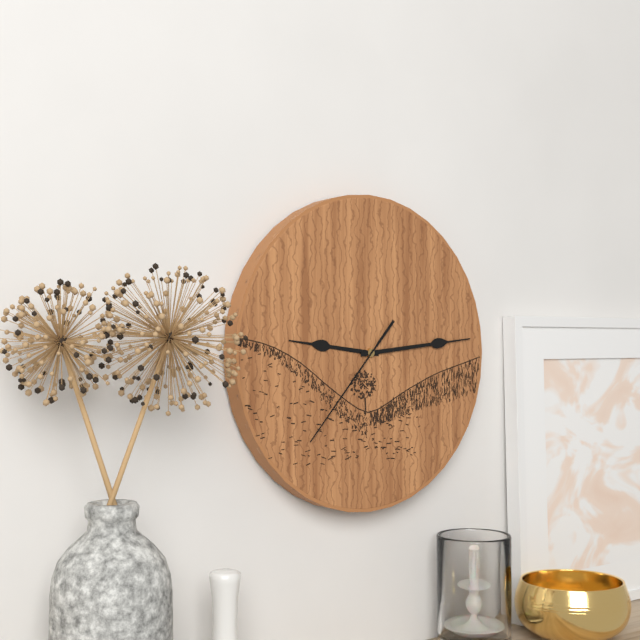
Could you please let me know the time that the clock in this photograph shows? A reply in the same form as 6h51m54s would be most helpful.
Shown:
9h14m37s
